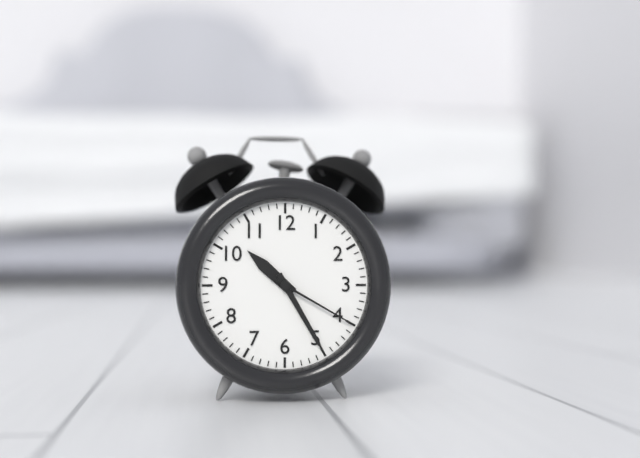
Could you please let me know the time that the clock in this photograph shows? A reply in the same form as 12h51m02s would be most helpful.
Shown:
10h25m20s
